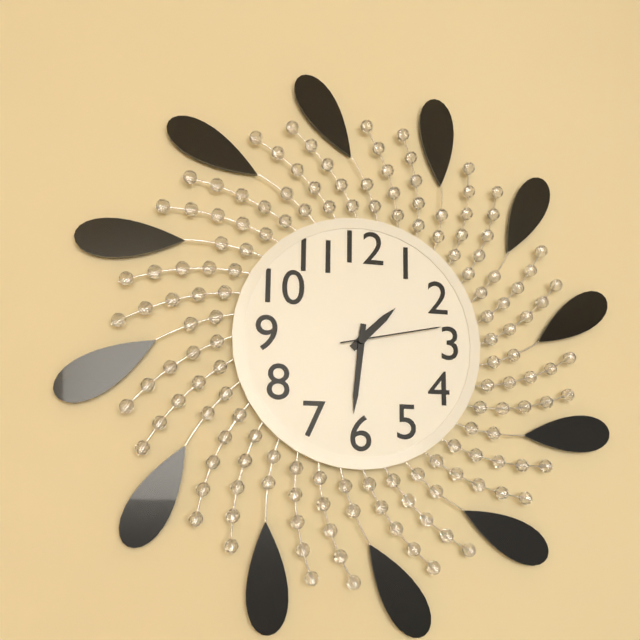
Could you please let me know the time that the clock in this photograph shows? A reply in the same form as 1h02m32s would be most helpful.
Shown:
1h31m13s
